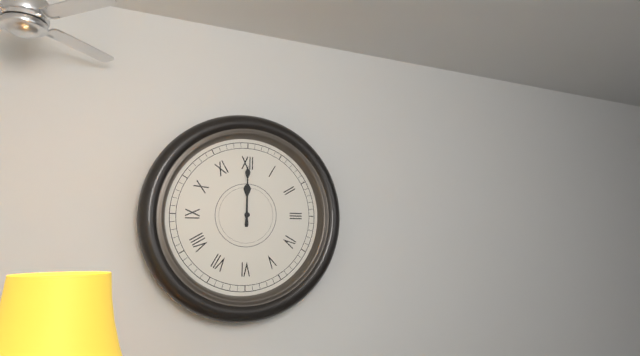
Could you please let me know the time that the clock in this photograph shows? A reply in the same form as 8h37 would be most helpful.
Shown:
12h00
